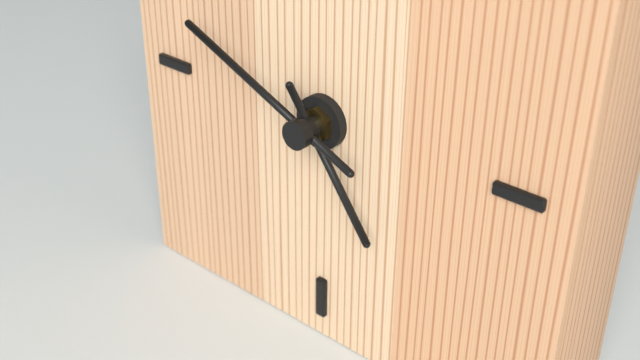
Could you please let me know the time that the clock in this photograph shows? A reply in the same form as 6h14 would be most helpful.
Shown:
4h49
